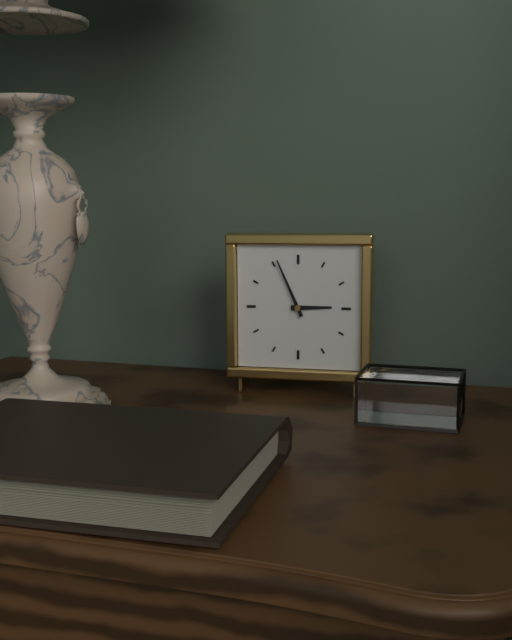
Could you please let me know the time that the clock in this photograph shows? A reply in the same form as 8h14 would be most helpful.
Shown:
2h56
